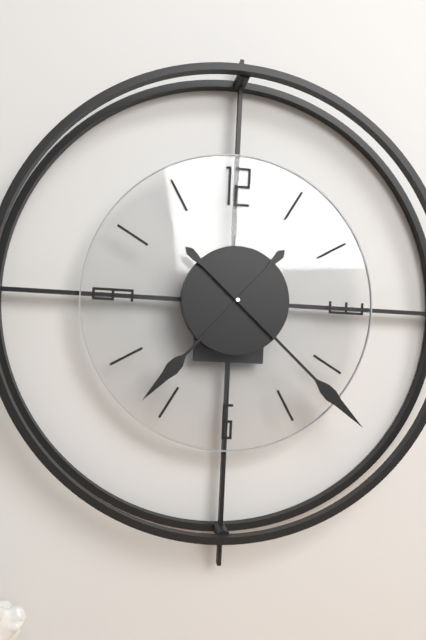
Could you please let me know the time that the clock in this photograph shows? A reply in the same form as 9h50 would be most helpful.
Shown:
7h22
